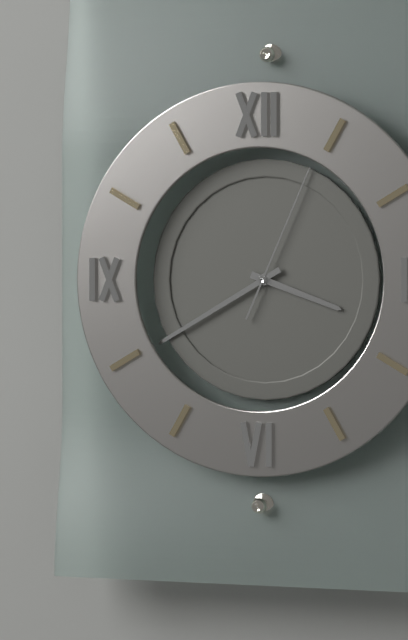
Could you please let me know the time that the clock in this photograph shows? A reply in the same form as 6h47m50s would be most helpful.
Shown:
3h40m04s
